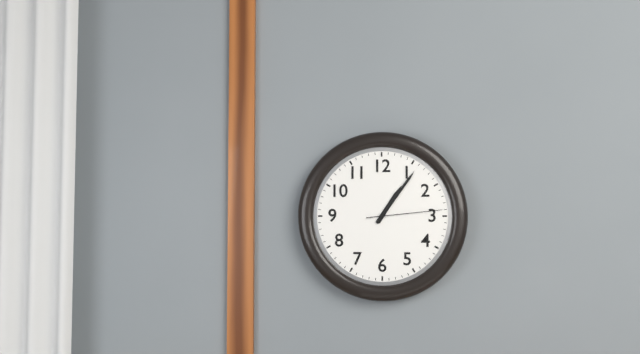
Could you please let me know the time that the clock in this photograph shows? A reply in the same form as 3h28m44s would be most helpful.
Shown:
1h06m14s
